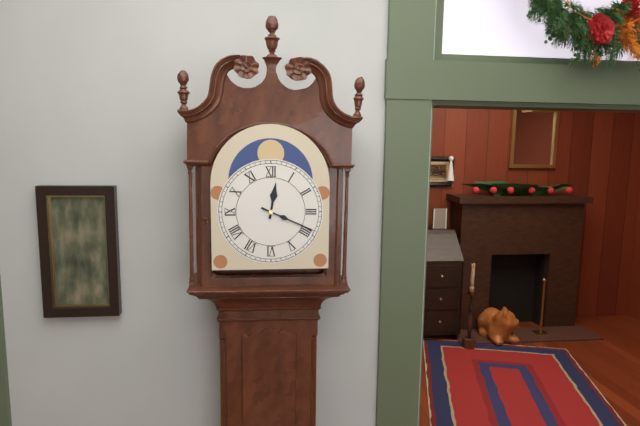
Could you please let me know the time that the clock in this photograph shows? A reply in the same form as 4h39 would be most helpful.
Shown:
12h19
